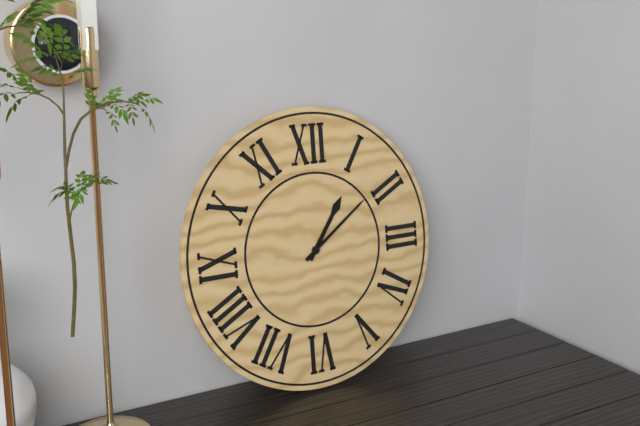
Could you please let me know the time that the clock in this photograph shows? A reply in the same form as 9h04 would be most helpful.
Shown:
1h09
